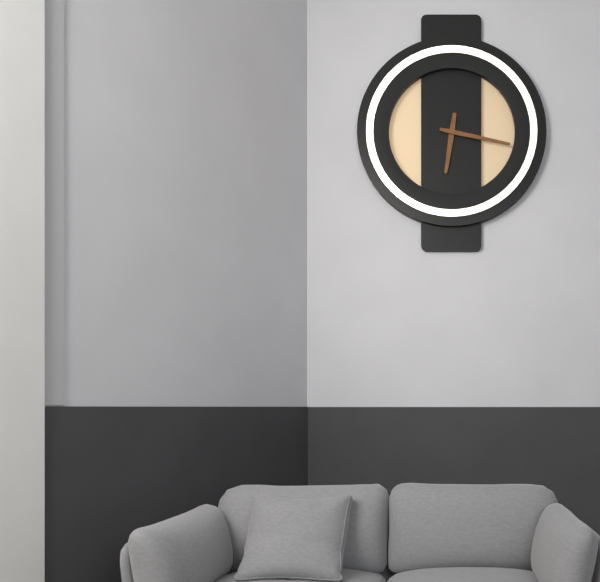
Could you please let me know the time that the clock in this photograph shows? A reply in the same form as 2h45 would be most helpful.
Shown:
6h17
